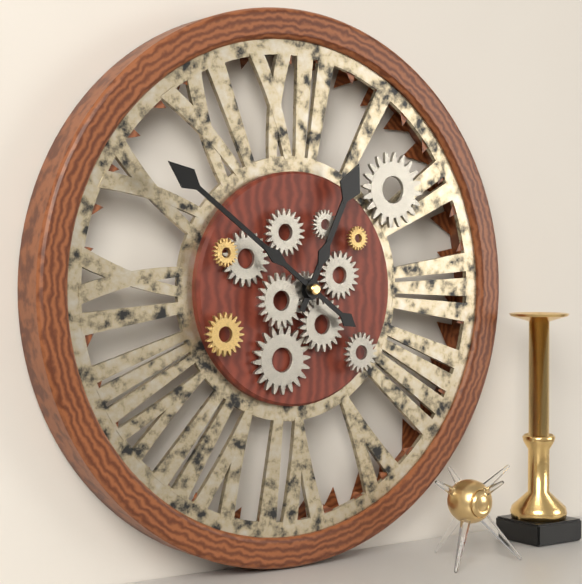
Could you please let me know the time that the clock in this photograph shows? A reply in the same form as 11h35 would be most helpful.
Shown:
12h51
